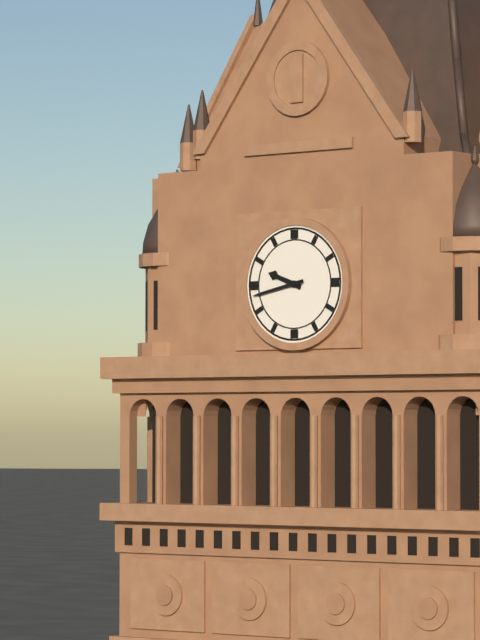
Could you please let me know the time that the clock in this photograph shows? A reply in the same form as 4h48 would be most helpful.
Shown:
9h43
